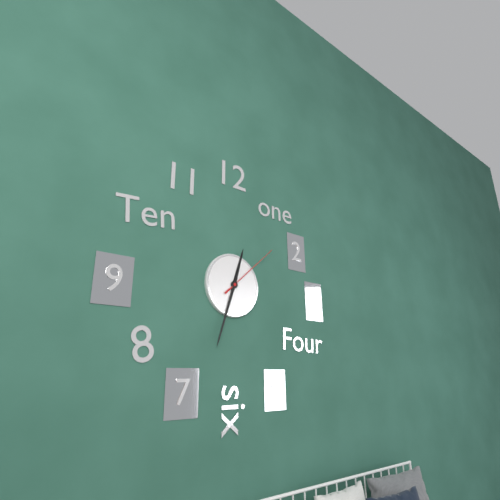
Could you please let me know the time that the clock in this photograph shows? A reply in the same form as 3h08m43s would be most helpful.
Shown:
12h33m08s
